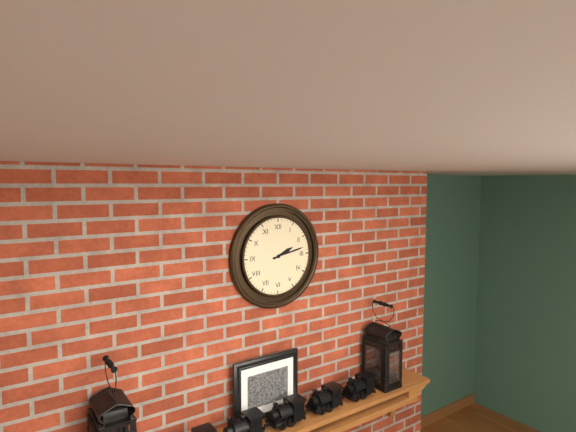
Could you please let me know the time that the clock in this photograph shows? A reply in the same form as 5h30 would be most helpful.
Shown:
2h13
